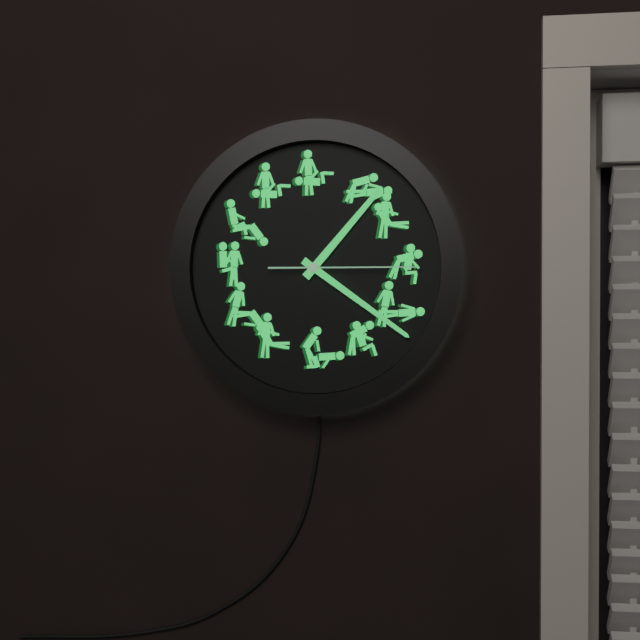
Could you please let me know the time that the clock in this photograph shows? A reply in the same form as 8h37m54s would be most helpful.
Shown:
1h21m15s
